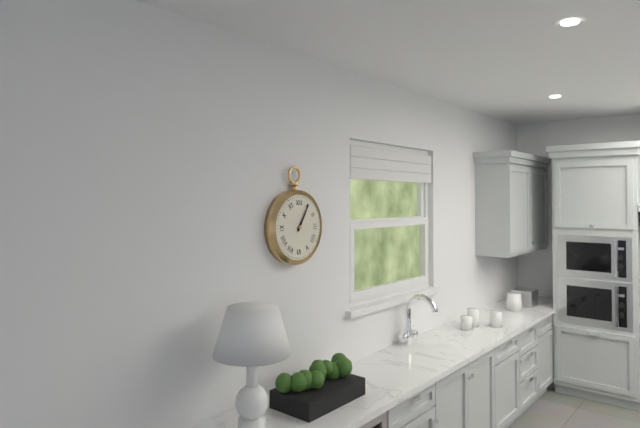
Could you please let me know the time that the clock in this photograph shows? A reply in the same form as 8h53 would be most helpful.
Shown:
1h05
